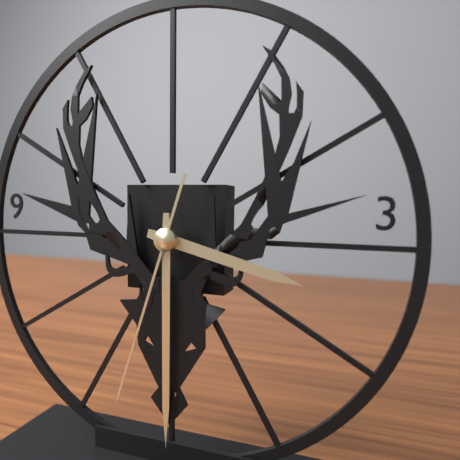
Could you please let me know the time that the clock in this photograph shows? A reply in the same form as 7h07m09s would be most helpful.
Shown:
3h30m33s
